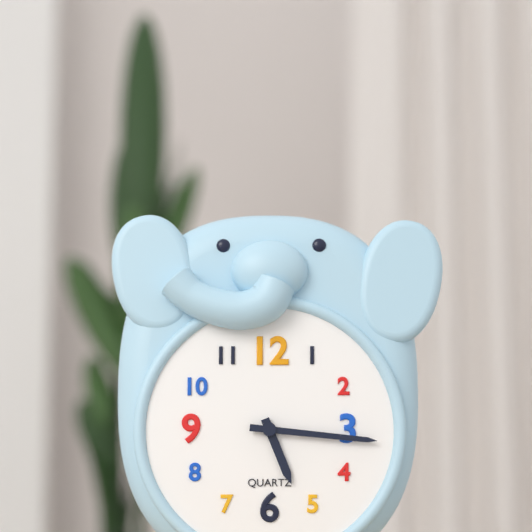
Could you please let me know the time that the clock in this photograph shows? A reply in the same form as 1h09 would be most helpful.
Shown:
5h16
